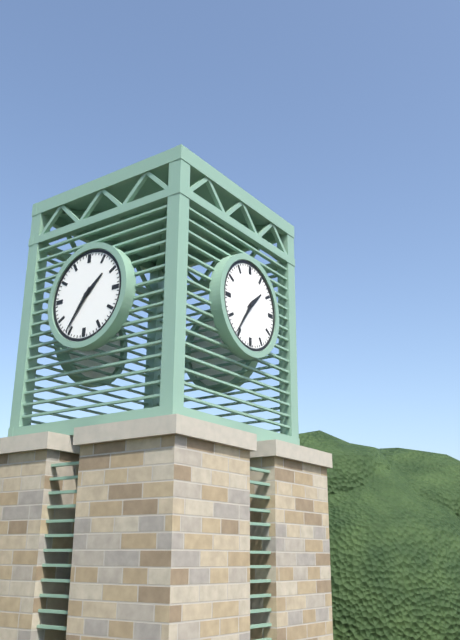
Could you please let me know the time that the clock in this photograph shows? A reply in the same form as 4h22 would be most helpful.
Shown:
1h36
